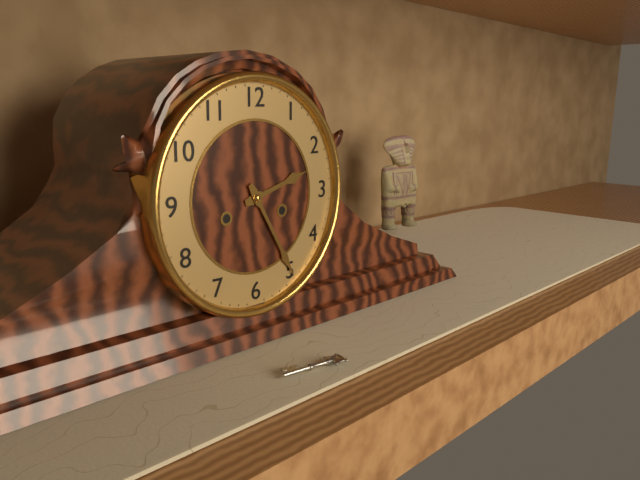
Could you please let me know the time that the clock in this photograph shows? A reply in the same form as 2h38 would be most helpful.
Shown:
2h25
